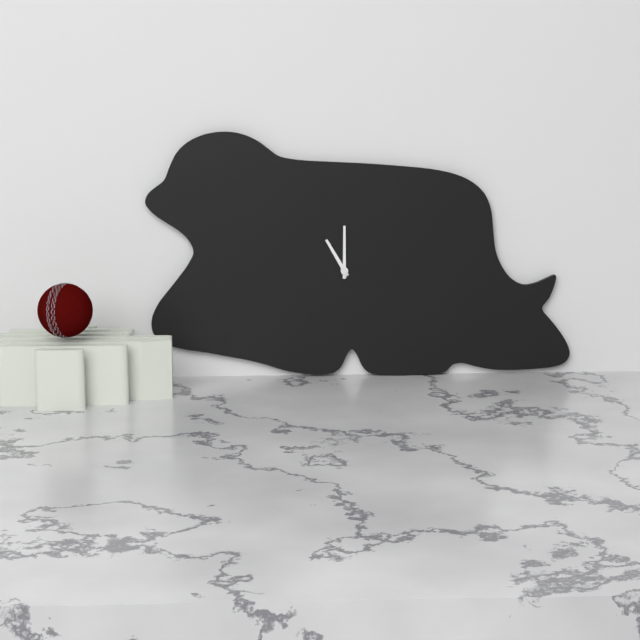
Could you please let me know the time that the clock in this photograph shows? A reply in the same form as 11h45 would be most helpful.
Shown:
11h00
